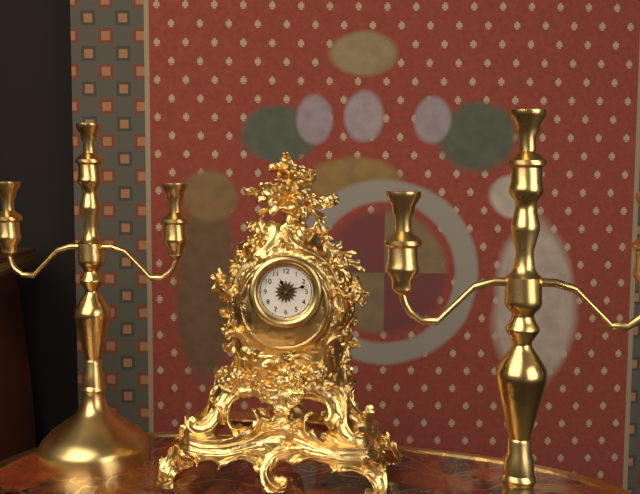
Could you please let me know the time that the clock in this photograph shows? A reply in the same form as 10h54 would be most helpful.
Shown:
11h12
